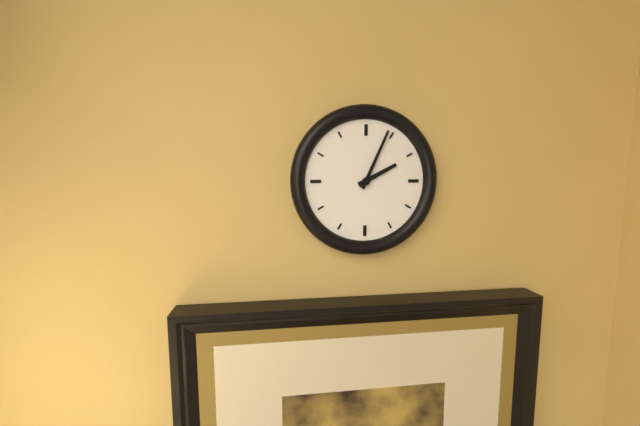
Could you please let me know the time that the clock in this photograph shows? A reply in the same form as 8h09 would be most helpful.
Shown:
2h04
